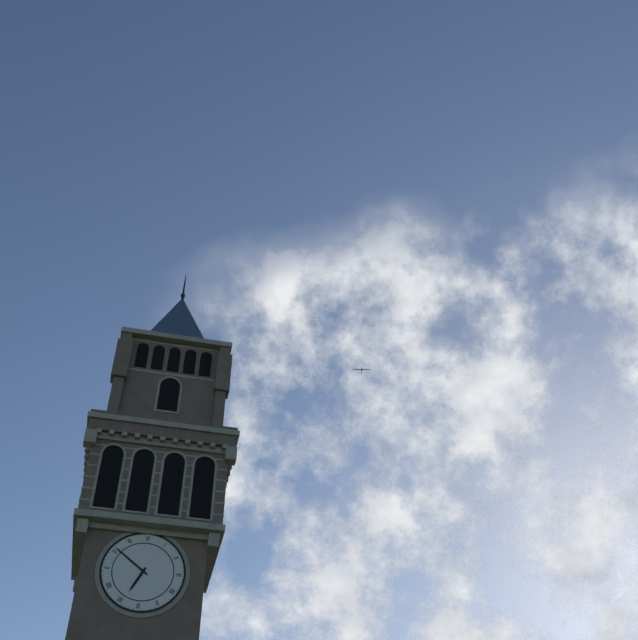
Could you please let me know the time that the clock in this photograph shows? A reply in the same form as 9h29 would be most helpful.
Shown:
6h51
